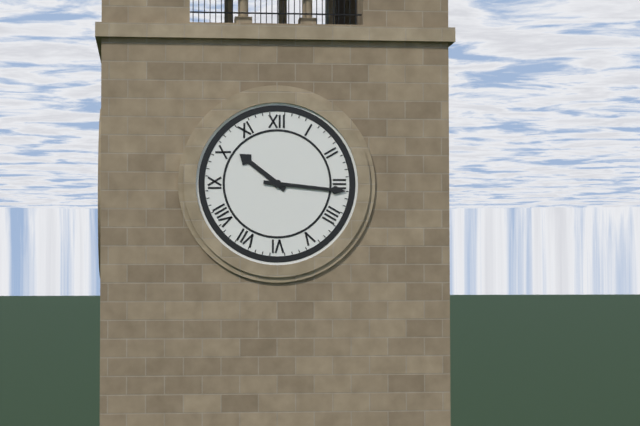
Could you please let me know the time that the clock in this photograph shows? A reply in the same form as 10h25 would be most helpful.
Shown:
10h16
